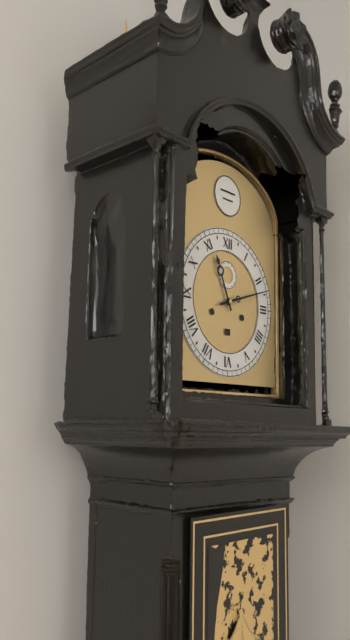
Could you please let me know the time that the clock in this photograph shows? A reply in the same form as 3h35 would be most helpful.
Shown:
11h12
